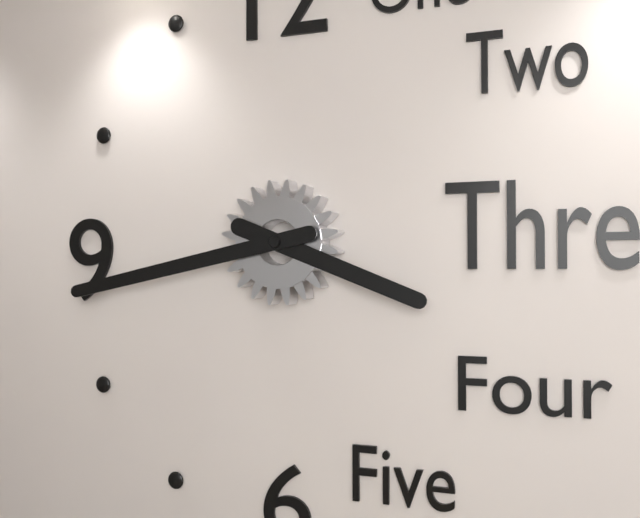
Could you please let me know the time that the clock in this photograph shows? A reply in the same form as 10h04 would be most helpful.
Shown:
3h43
